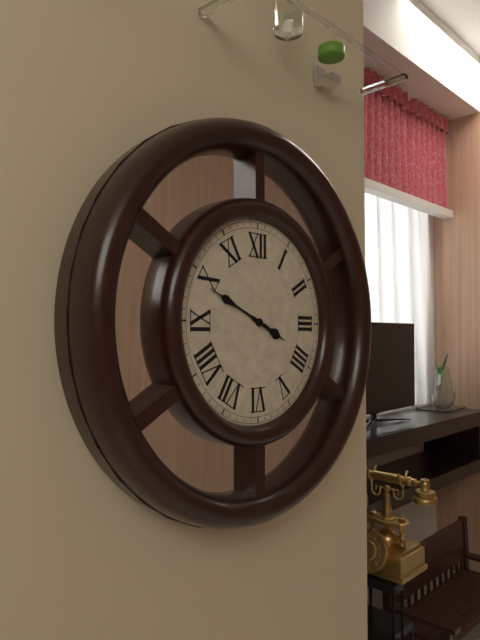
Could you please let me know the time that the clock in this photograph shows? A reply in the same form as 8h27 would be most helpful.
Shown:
3h49
